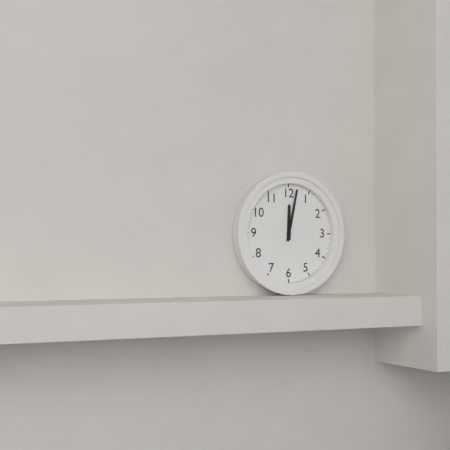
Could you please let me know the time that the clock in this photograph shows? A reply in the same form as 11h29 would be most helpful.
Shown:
12h02
